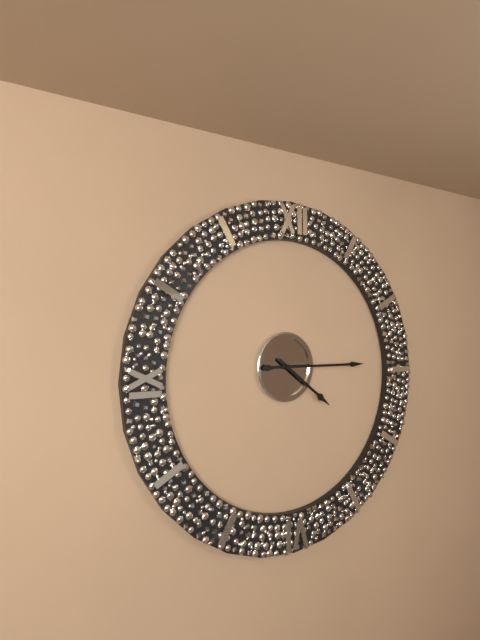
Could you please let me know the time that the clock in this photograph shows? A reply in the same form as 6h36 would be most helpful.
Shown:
4h15
